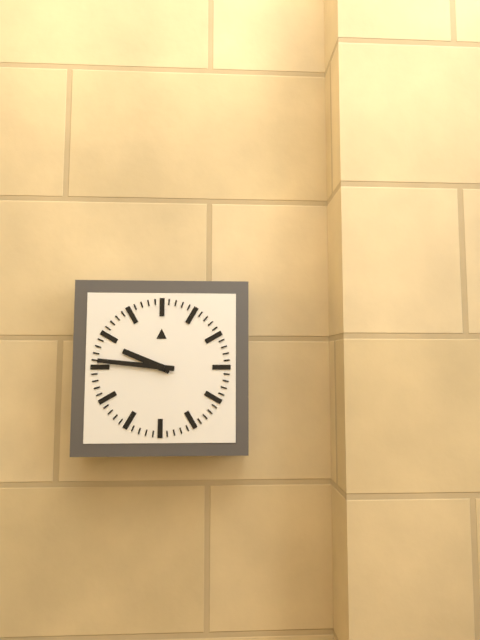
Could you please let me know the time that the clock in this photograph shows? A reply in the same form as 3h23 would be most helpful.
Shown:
9h46
